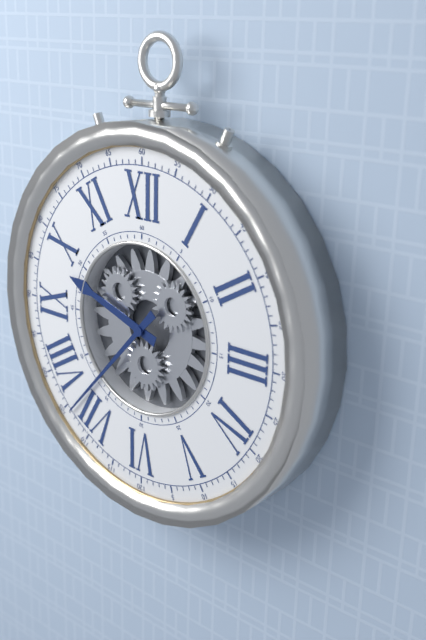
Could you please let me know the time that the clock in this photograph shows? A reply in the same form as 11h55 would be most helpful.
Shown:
9h37
